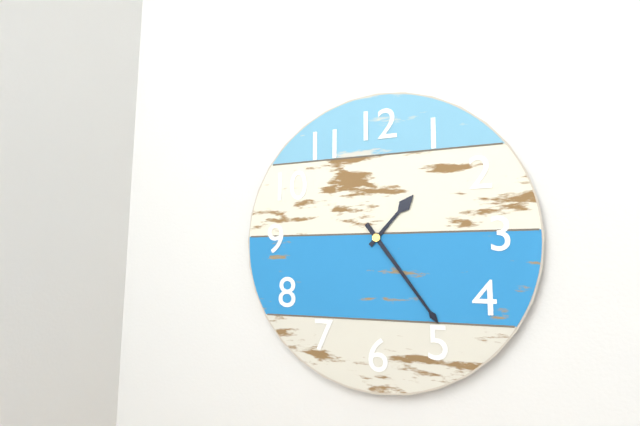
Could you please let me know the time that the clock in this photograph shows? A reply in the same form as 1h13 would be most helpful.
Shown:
1h24
